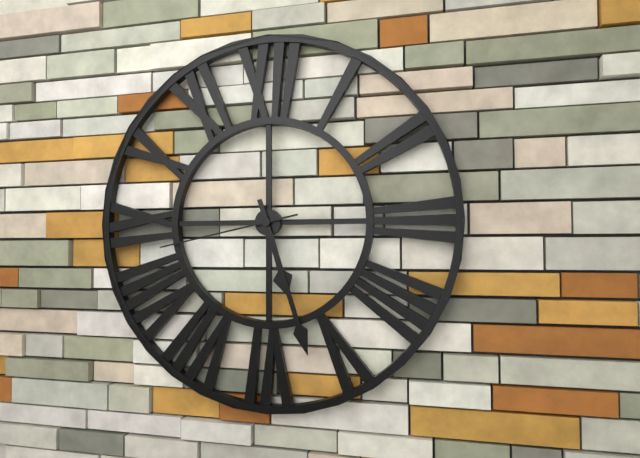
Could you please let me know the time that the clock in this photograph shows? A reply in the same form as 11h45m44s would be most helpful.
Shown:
5h27m43s
